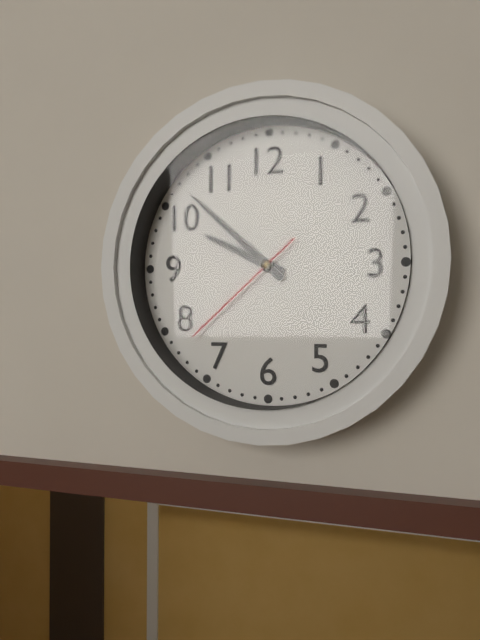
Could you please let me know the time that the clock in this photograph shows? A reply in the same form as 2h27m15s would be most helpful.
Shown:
9h52m38s
